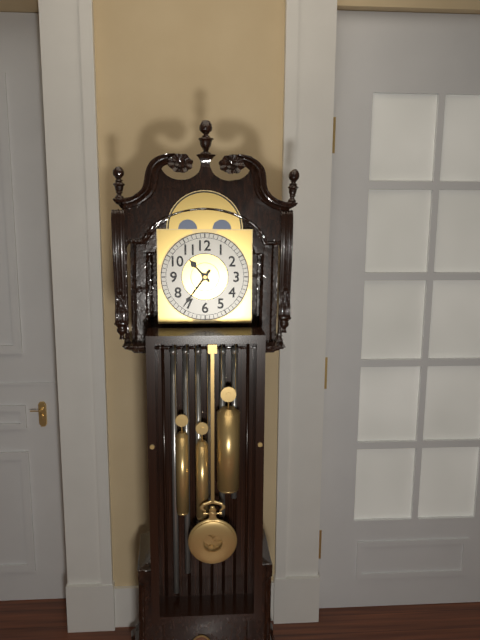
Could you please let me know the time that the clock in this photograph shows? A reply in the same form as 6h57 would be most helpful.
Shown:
10h36
